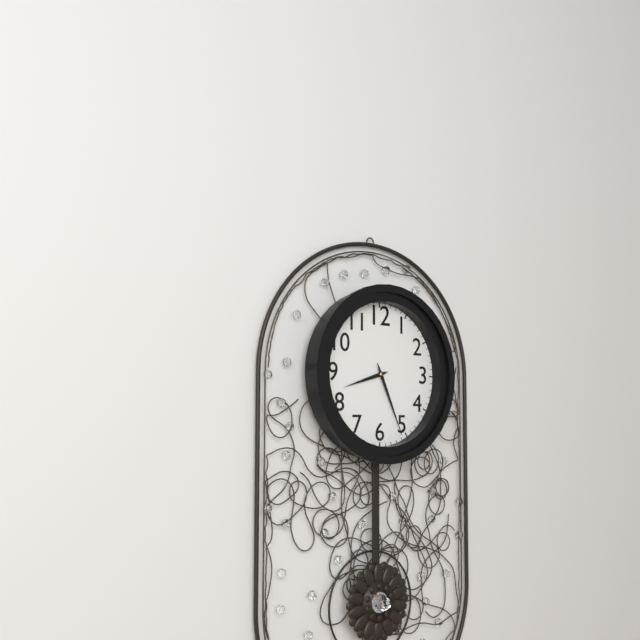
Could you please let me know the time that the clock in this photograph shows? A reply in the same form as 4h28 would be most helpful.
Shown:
8h26
